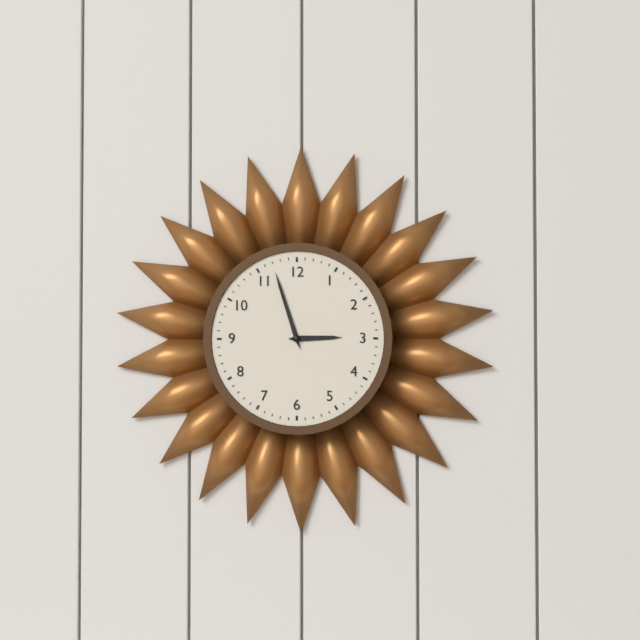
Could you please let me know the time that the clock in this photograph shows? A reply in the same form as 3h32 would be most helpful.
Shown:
2h57
